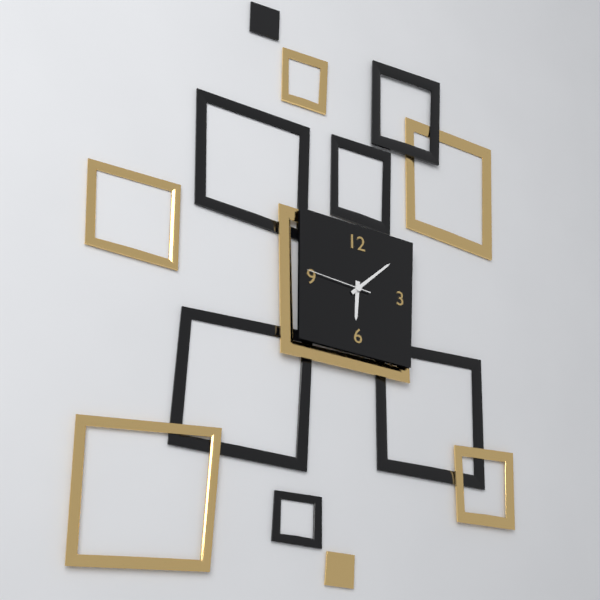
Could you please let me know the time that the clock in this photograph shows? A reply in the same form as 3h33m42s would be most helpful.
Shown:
6h08m46s
